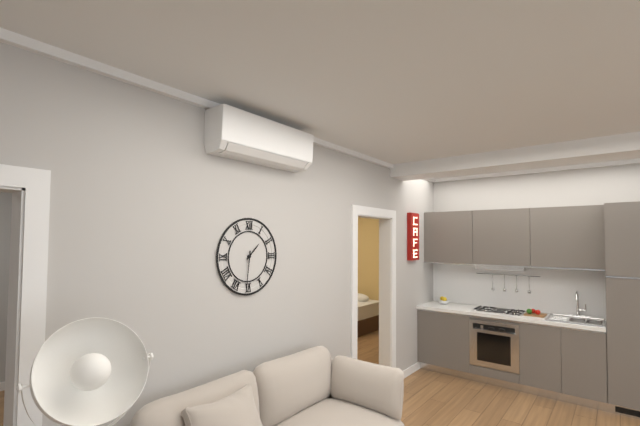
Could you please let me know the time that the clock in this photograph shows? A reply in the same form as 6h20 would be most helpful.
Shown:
1h31
